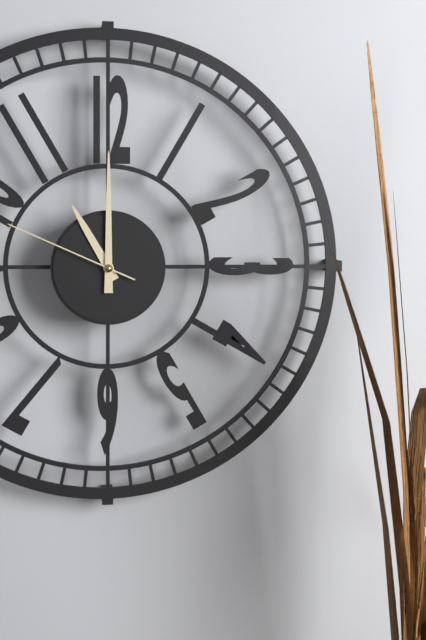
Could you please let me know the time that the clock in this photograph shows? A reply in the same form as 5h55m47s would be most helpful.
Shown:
11h00m49s
